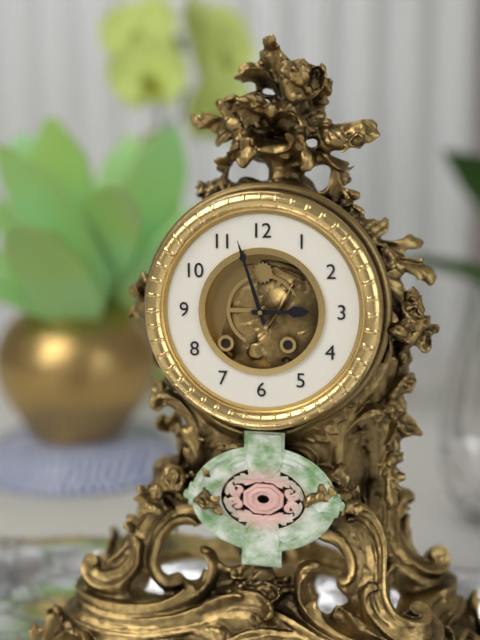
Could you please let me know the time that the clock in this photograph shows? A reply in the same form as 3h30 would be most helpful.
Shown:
2h57
